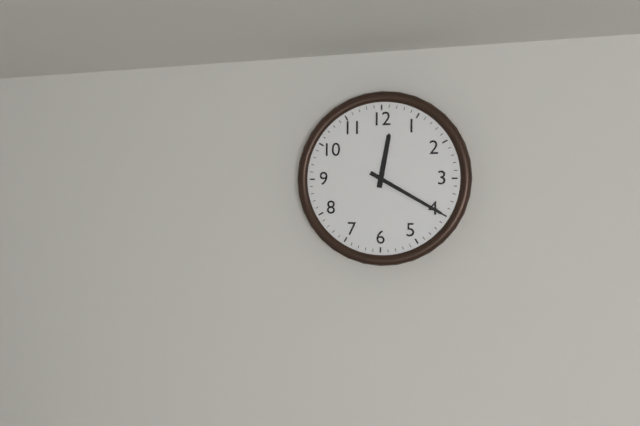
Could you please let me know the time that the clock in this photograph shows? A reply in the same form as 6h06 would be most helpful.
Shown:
12h20
